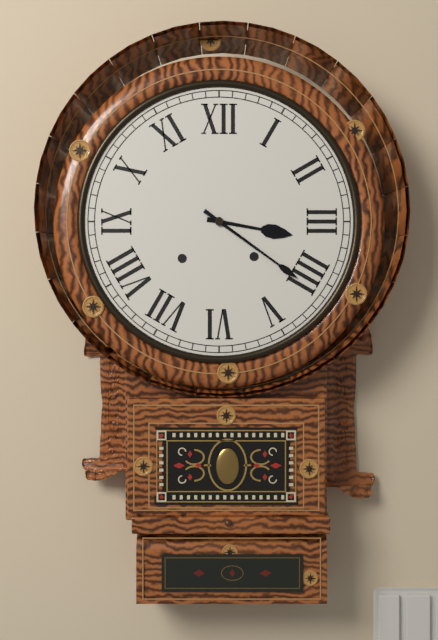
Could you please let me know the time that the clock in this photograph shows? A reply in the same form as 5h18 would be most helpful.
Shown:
3h21
